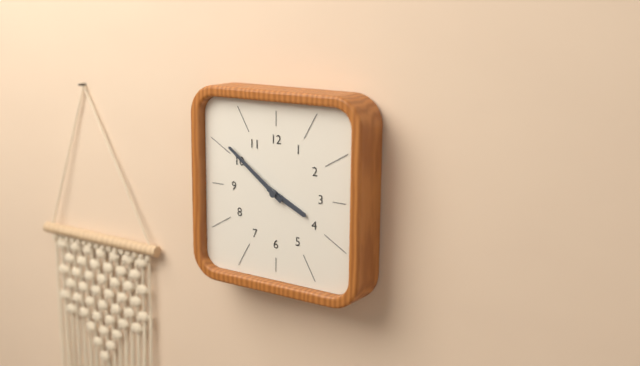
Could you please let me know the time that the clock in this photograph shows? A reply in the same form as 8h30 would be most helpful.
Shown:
3h51
